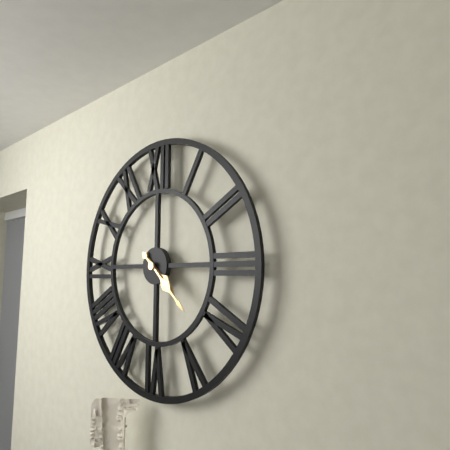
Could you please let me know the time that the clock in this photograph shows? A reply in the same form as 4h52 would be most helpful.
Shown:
4h22
